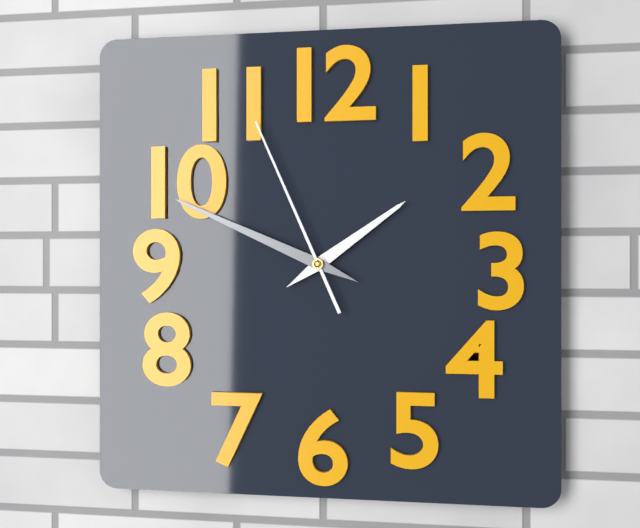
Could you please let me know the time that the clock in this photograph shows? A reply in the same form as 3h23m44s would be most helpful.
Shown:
1h49m56s
